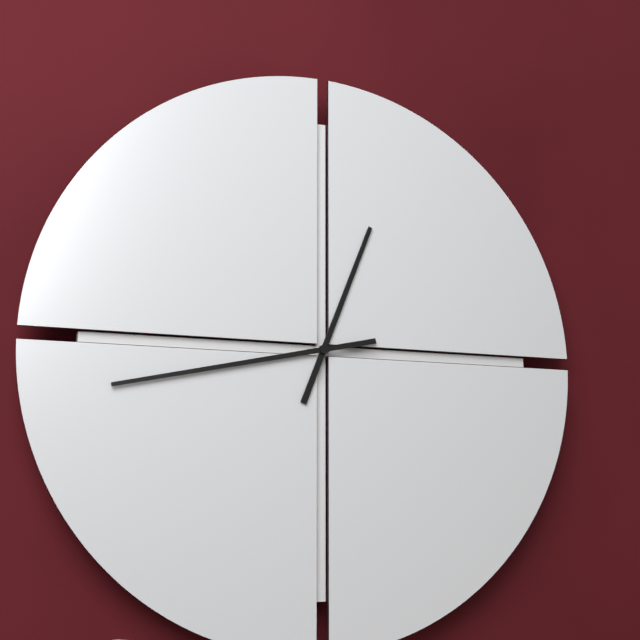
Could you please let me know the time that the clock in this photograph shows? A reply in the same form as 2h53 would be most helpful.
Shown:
12h43
